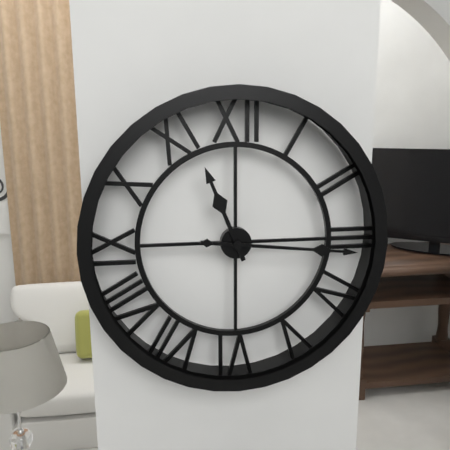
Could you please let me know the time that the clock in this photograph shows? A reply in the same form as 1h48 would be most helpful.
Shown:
11h16
